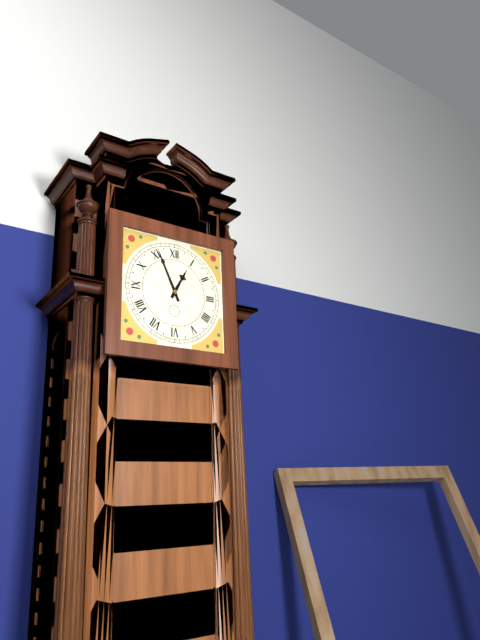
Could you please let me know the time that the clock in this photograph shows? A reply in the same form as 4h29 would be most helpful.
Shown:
12h56
